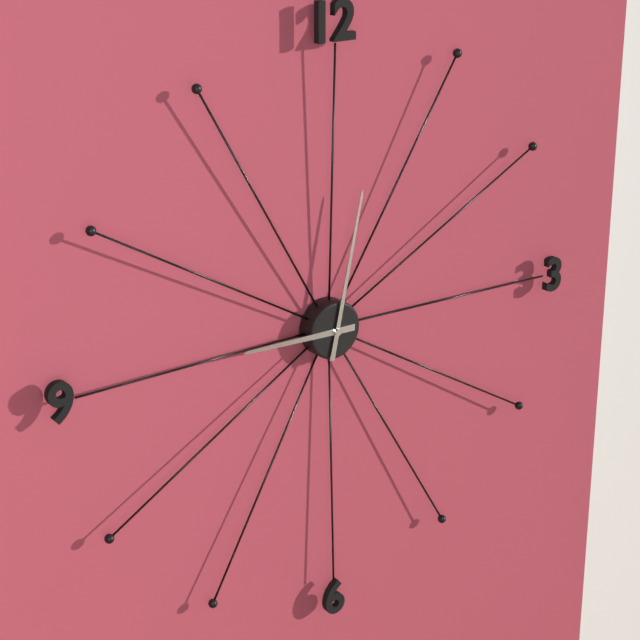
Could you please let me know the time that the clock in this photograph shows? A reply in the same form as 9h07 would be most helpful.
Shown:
9h02
